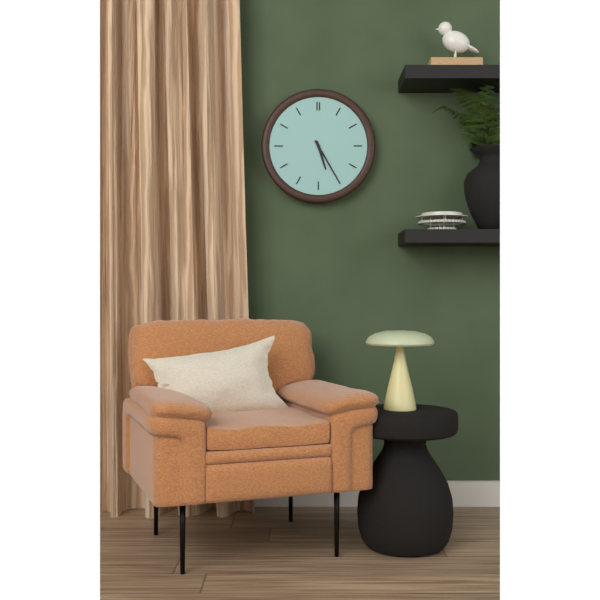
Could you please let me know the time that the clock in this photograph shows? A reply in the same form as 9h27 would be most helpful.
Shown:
5h25
